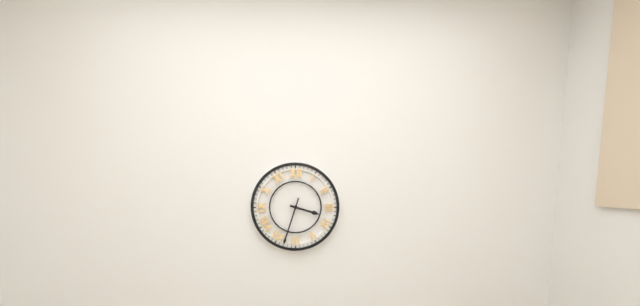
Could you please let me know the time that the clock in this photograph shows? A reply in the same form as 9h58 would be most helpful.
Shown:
3h33
